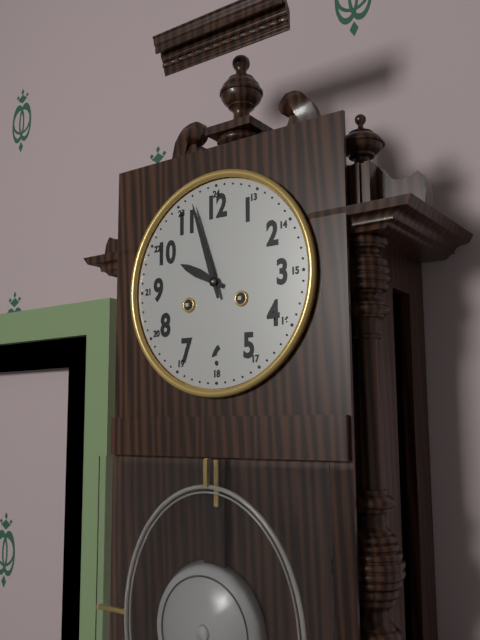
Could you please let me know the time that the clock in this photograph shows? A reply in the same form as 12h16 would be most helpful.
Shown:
9h57
